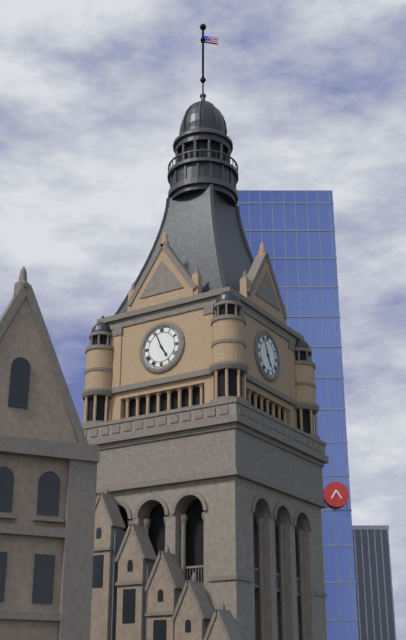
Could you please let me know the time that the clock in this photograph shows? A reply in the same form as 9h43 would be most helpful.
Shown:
4h56
